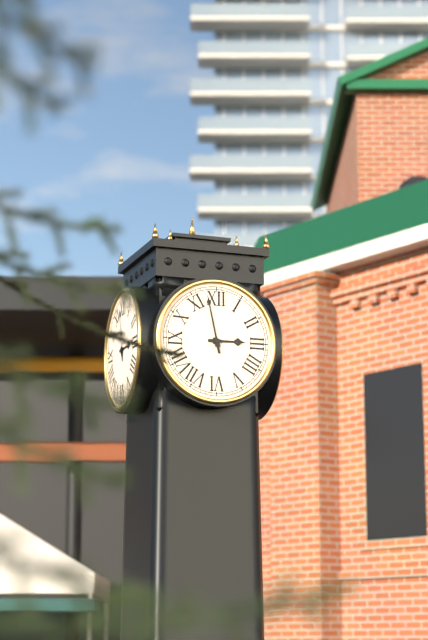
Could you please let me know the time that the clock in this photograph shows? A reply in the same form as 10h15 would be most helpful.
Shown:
2h58
